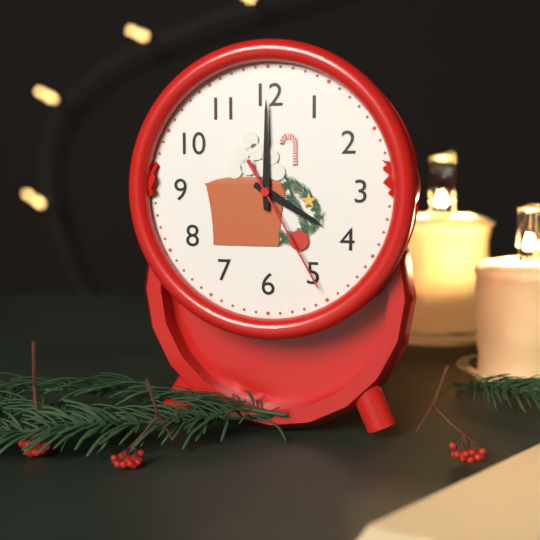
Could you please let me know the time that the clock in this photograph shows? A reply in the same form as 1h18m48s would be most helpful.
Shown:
4h00m25s
